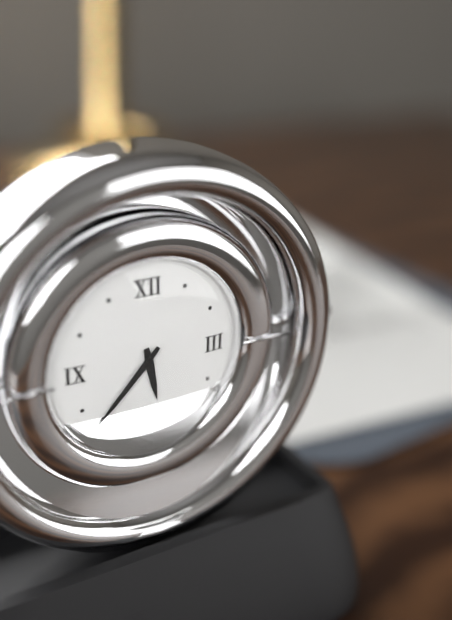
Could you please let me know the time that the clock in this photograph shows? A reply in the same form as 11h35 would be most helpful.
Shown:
5h37
